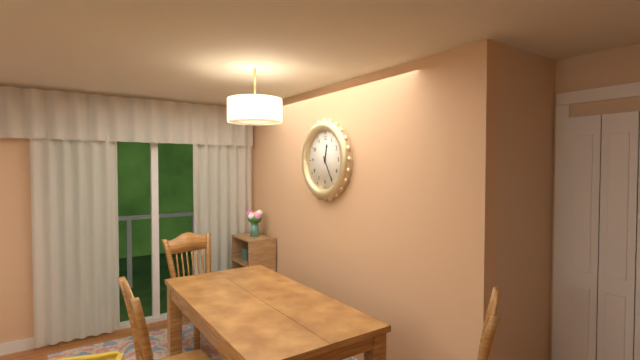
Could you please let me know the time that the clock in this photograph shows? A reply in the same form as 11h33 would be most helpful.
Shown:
12h25
